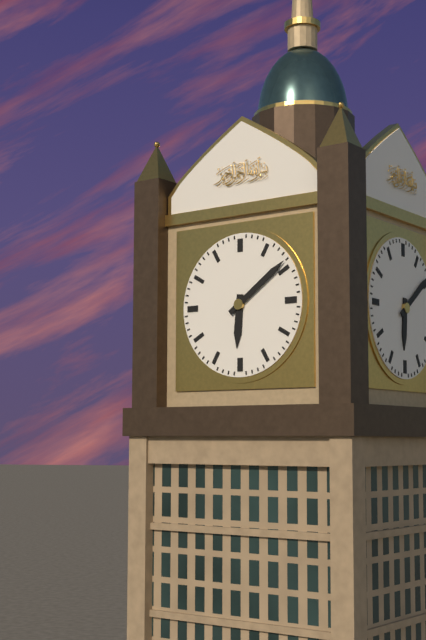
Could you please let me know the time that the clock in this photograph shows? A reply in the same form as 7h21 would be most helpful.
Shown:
6h09
